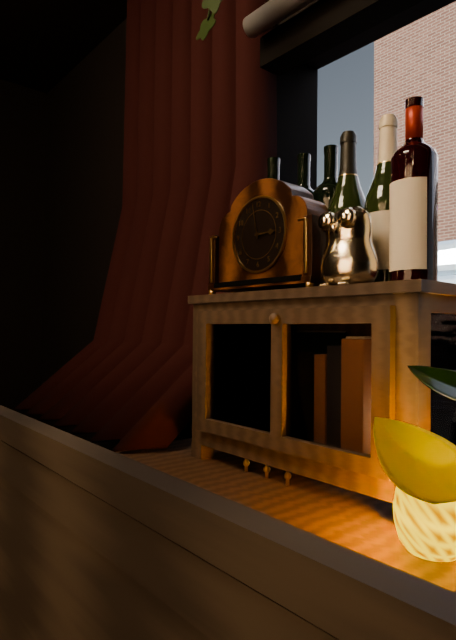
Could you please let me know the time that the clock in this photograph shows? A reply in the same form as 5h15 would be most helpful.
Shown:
2h58
